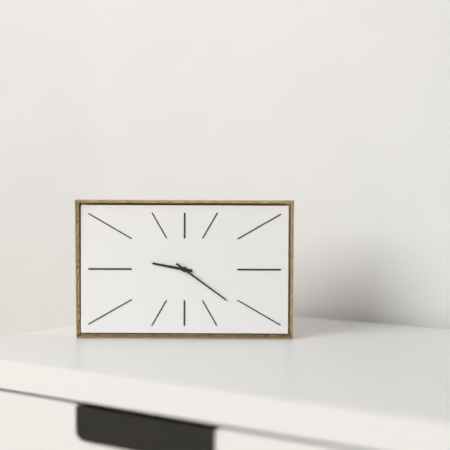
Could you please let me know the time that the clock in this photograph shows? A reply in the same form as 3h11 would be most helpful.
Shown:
9h21
